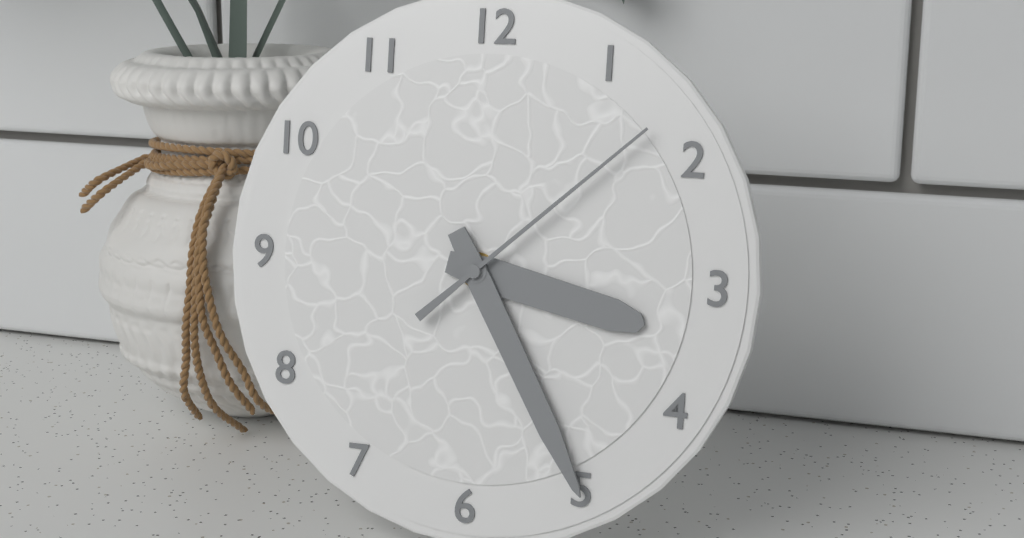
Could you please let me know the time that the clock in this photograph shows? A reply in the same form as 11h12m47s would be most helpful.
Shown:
3h25m08s
